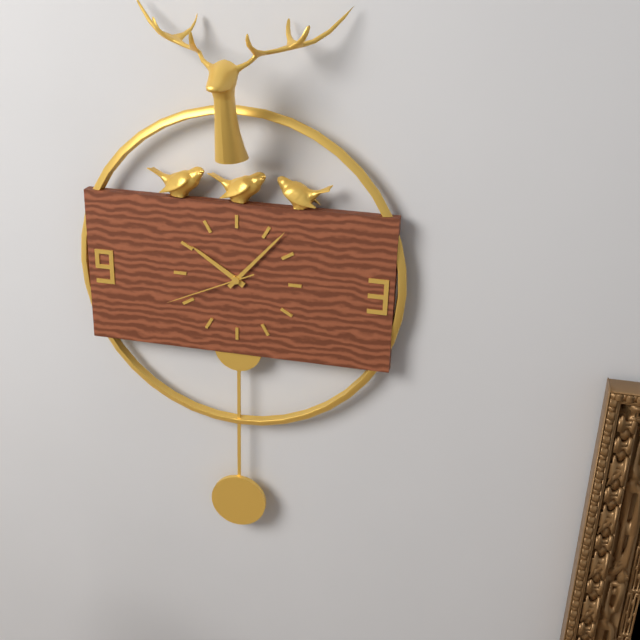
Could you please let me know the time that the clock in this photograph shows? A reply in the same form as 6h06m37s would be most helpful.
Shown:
10h07m41s
